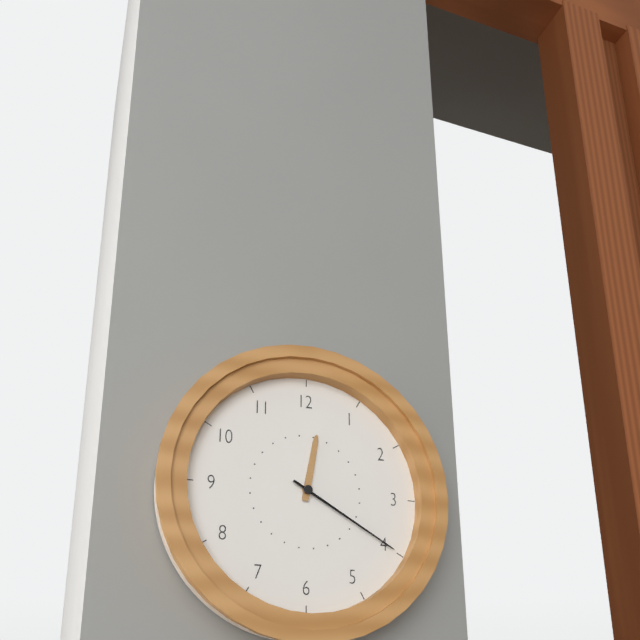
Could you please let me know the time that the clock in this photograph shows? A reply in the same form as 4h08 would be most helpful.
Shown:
12h20
